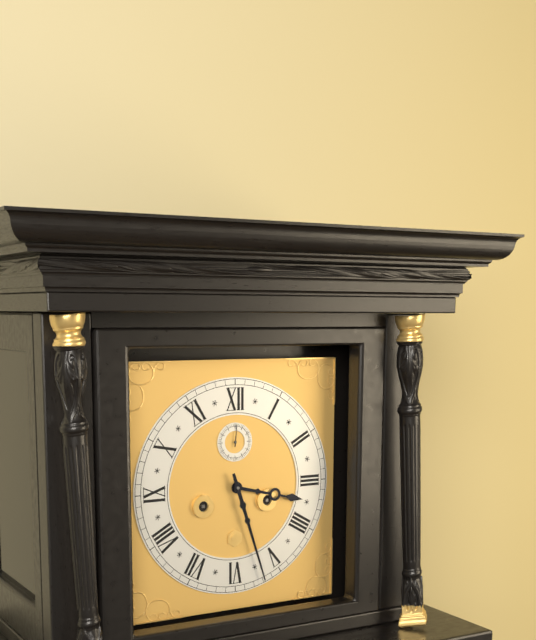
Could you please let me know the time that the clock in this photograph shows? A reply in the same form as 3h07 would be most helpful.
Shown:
3h27
